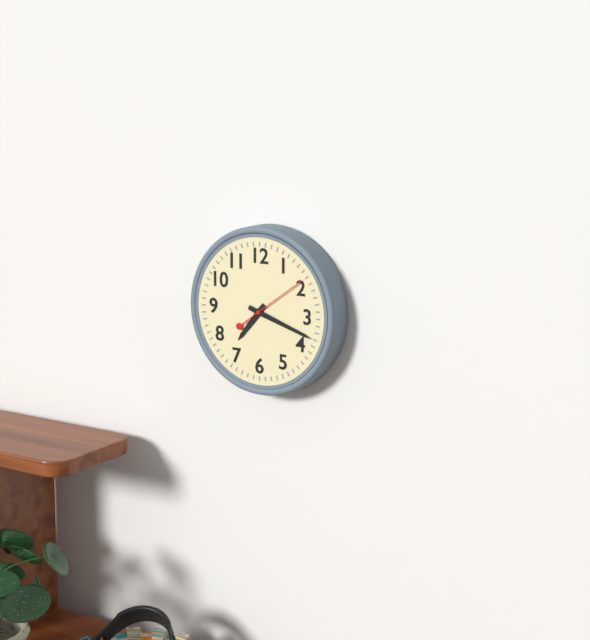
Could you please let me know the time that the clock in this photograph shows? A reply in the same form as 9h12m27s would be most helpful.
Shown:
7h18m09s
